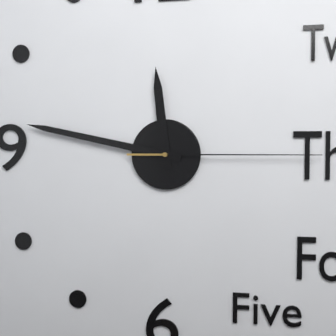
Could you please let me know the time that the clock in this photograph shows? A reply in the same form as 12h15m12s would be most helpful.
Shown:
11h47m15s
